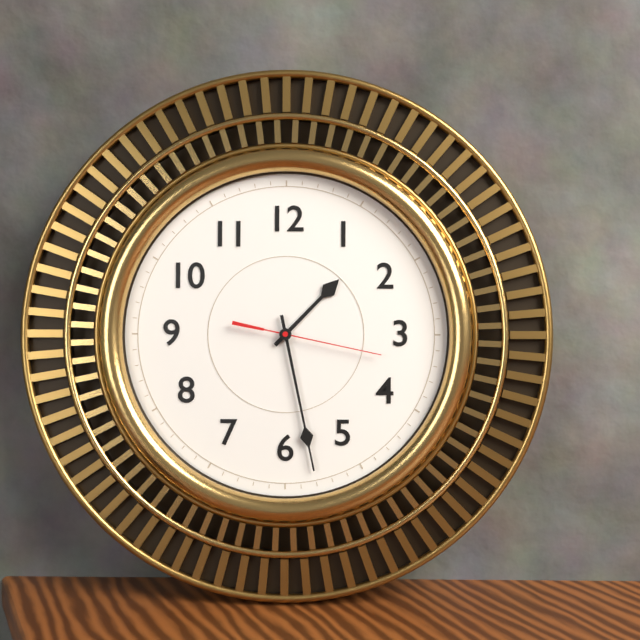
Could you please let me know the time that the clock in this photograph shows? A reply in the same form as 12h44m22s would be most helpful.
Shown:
1h28m17s
